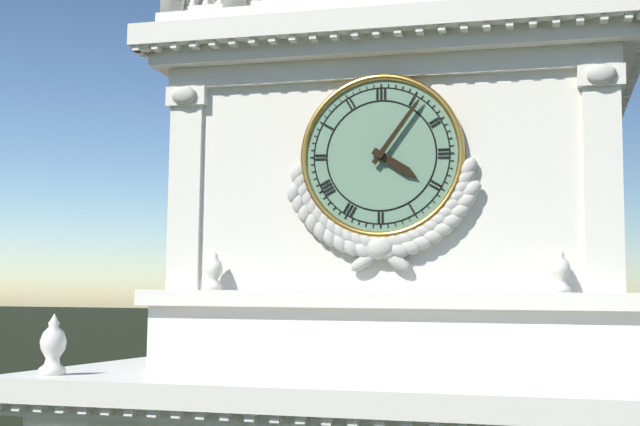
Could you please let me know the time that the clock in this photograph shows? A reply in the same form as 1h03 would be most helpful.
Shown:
4h06
